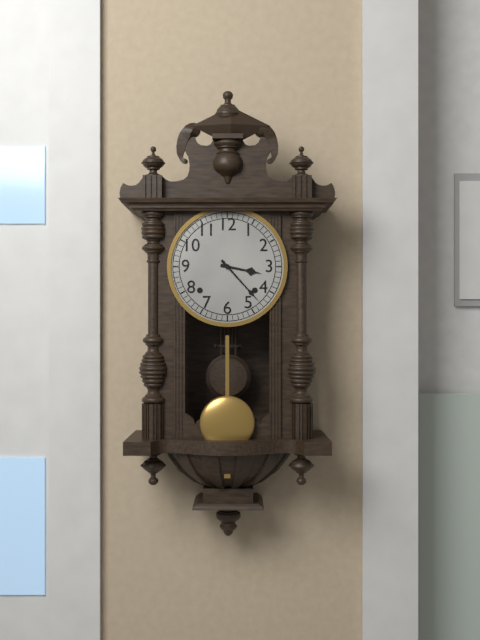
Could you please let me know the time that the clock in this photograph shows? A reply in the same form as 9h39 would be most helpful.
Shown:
3h23
